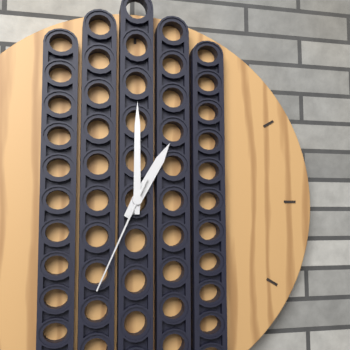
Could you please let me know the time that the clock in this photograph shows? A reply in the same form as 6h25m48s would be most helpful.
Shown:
1h00m34s
